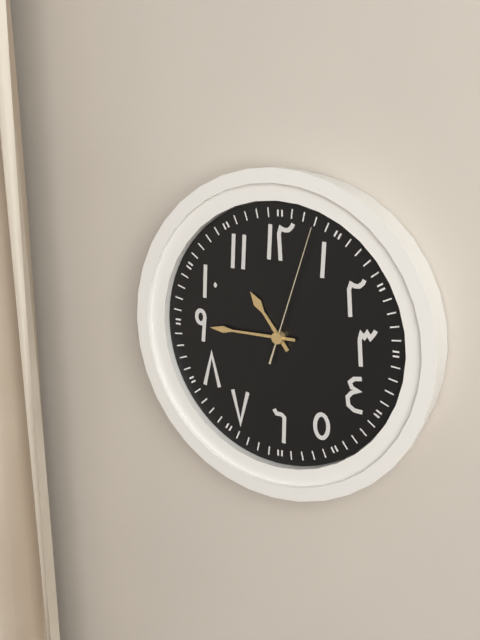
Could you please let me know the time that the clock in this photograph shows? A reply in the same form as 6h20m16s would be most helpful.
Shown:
10h45m03s
